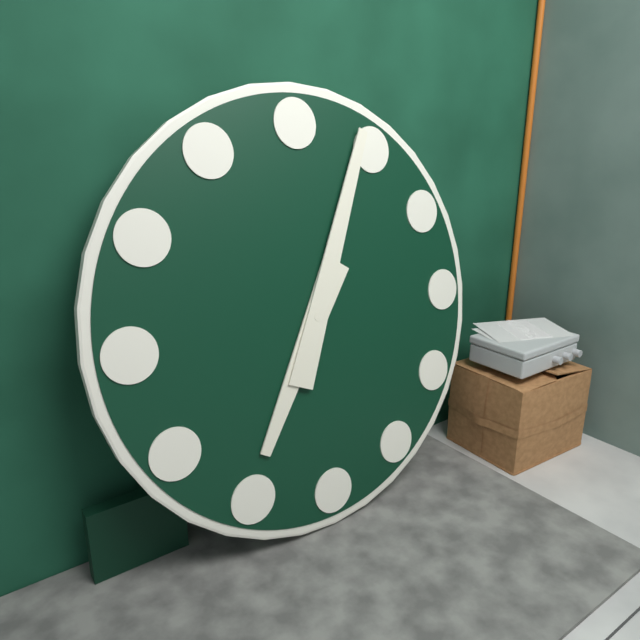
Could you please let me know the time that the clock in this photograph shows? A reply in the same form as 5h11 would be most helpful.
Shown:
7h04
